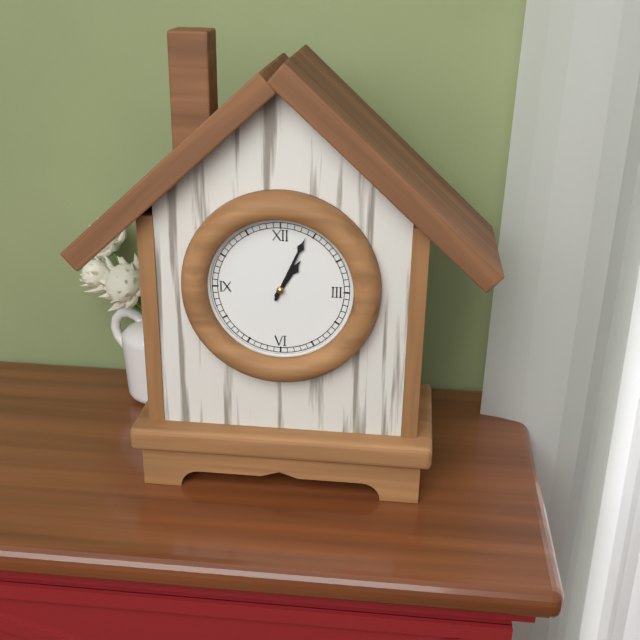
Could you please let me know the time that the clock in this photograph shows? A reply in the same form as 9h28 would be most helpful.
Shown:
1h04
